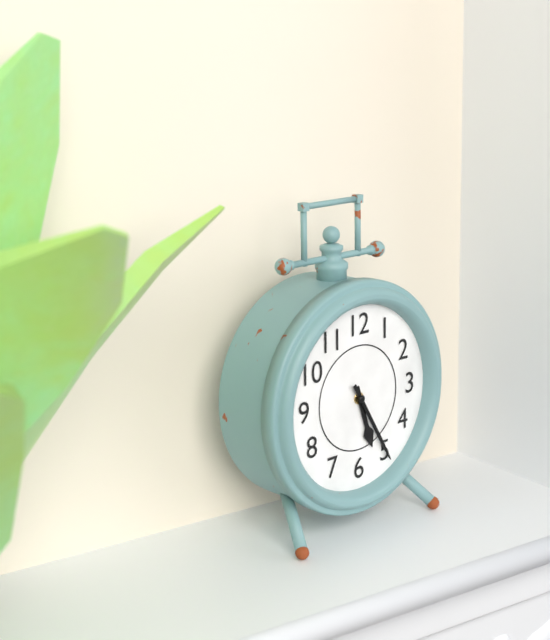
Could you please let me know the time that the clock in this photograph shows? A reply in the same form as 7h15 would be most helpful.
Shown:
5h25
